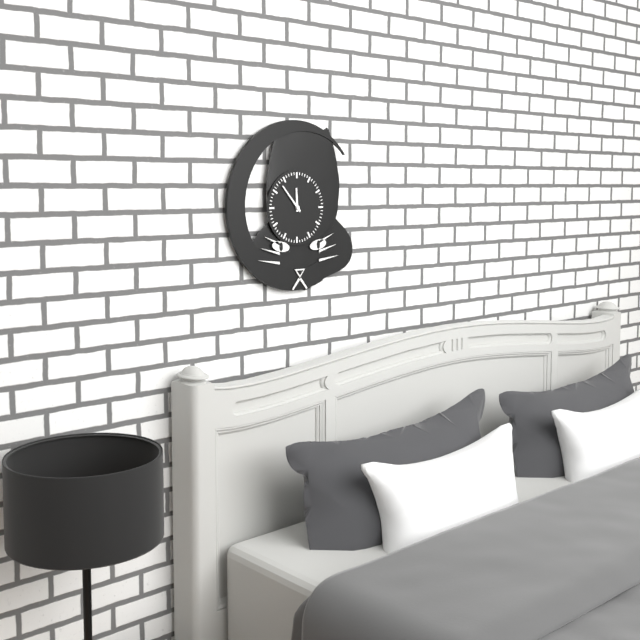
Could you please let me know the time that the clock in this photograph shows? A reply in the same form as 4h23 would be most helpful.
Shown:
11h53
